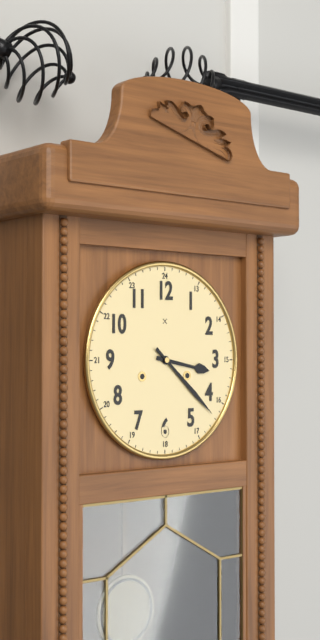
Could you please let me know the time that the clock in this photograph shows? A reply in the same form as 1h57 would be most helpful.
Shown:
3h22
